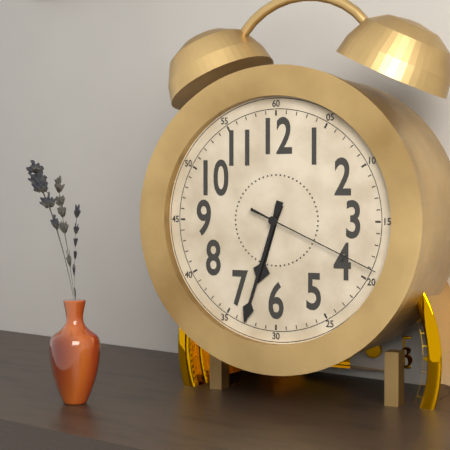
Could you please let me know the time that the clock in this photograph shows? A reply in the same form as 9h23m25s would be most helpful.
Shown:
6h33m19s
